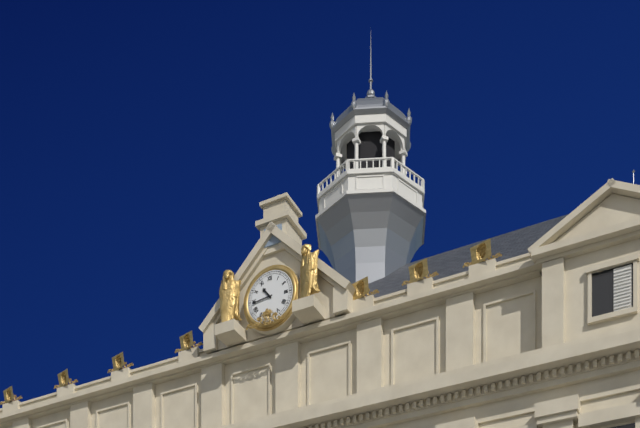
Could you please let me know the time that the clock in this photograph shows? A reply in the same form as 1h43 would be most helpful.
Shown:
10h44
